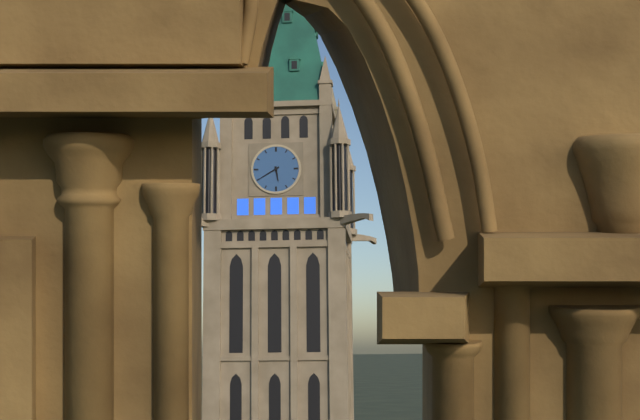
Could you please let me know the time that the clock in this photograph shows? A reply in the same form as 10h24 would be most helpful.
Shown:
5h40
